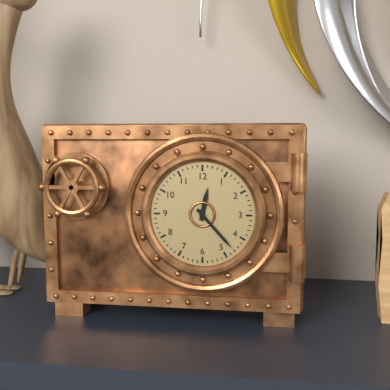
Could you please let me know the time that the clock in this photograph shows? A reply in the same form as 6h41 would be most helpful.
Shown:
12h23
